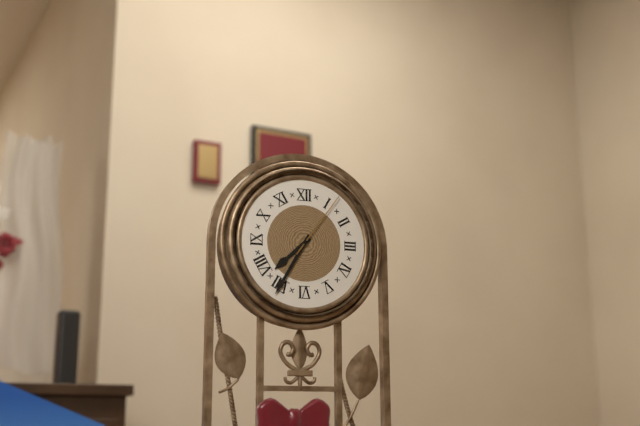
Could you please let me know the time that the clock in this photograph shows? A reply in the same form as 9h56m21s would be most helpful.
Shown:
7h35m06s
